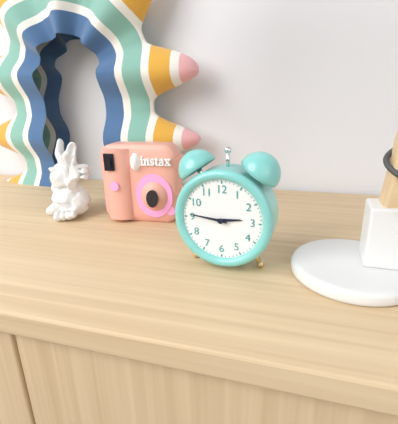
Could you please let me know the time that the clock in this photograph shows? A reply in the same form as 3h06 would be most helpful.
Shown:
2h46
